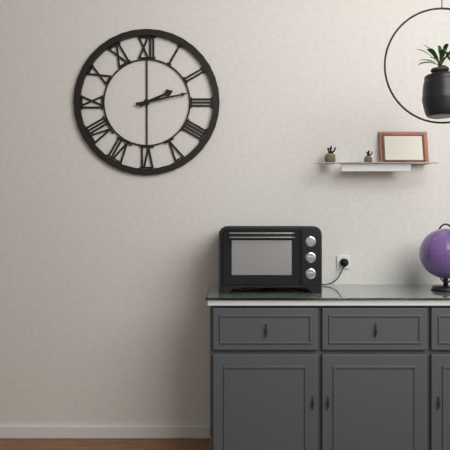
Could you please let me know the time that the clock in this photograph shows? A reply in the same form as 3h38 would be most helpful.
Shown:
2h13
